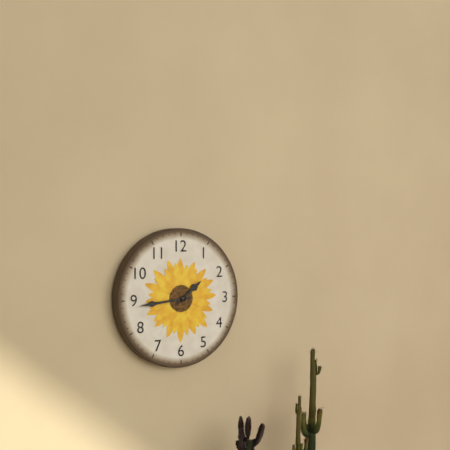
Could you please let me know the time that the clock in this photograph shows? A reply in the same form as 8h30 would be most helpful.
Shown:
1h44
